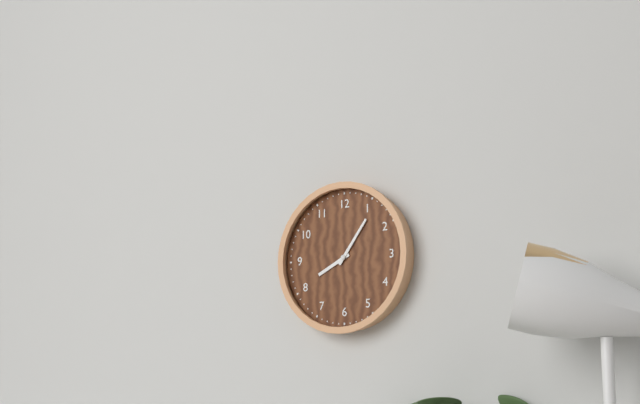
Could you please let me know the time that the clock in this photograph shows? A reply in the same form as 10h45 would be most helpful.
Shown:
8h06
